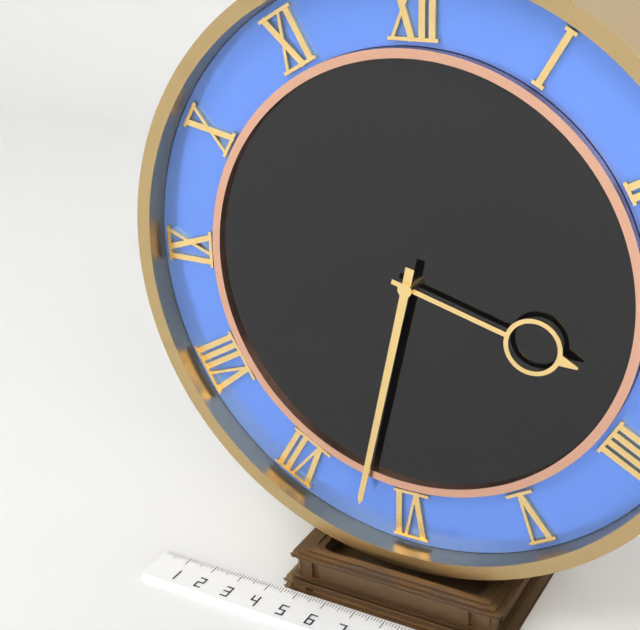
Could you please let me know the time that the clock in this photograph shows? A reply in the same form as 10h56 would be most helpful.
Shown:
3h32
